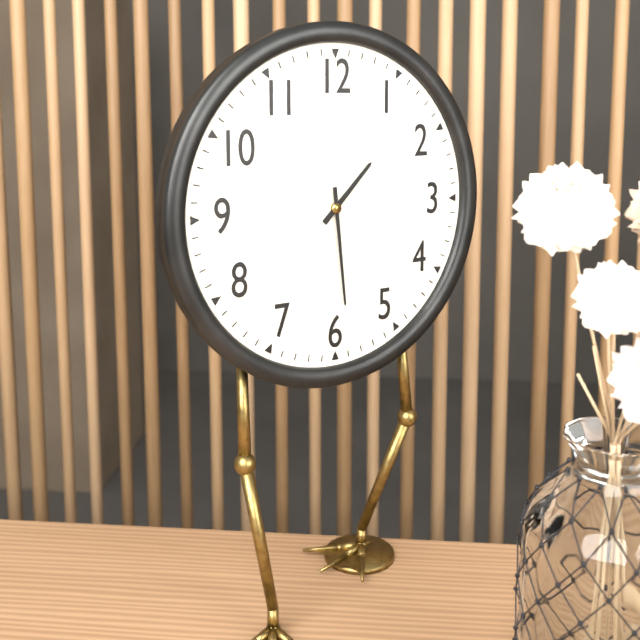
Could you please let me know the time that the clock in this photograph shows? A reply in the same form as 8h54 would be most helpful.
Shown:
1h29
